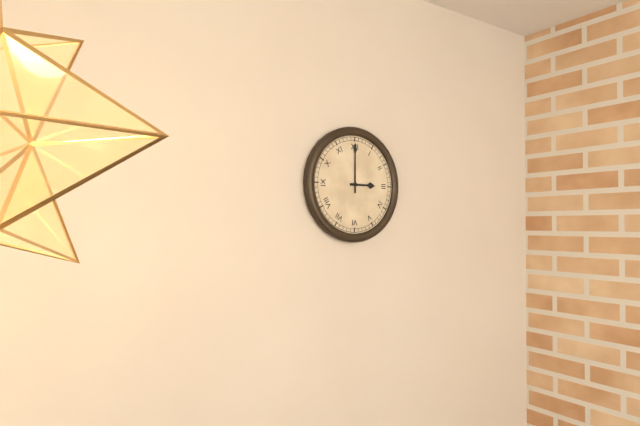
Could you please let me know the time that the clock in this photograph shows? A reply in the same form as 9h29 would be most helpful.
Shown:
3h00
